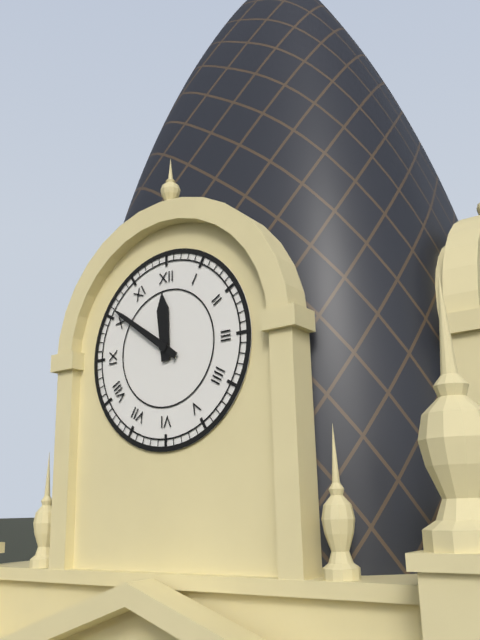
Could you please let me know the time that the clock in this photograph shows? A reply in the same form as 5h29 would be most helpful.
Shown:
11h51
